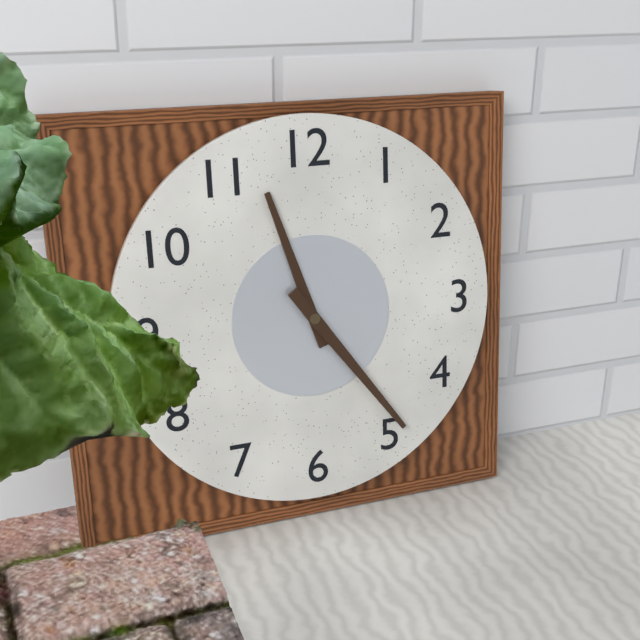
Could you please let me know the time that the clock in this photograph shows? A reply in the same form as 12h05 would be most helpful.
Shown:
11h24
